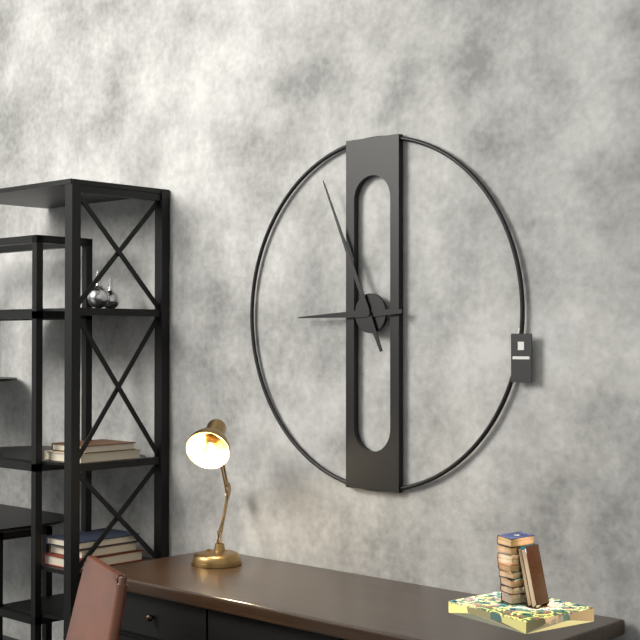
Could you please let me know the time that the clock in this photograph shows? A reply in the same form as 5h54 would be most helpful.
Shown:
8h56
